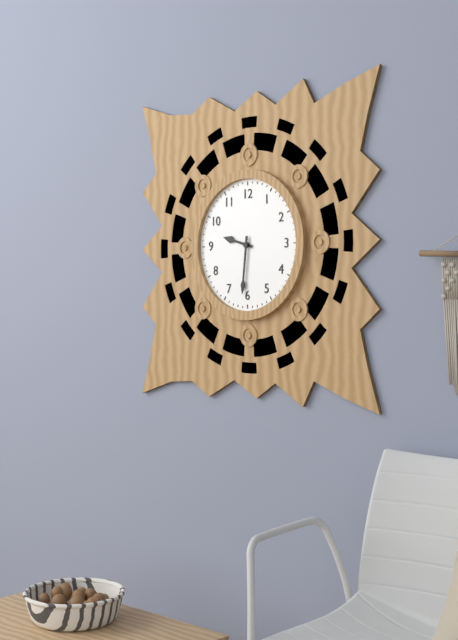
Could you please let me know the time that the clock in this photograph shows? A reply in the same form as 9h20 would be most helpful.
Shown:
9h31
